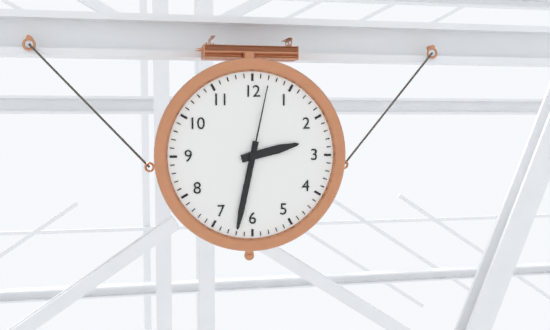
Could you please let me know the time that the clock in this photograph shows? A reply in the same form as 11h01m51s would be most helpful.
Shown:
2h32m02s
